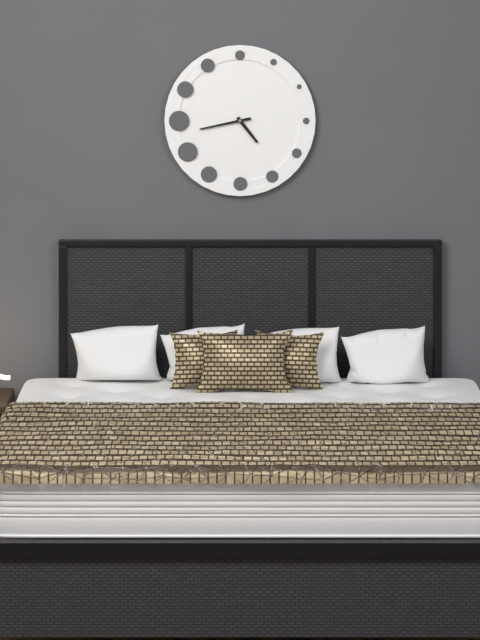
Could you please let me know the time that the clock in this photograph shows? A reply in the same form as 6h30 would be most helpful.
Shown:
4h43
